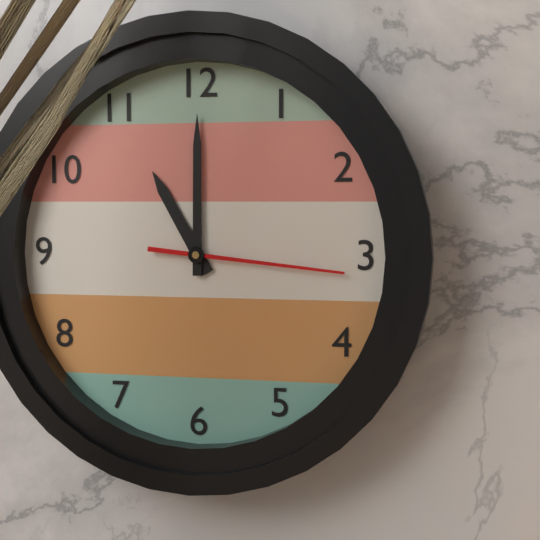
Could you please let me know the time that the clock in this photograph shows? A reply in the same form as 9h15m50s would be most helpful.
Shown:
11h00m16s
